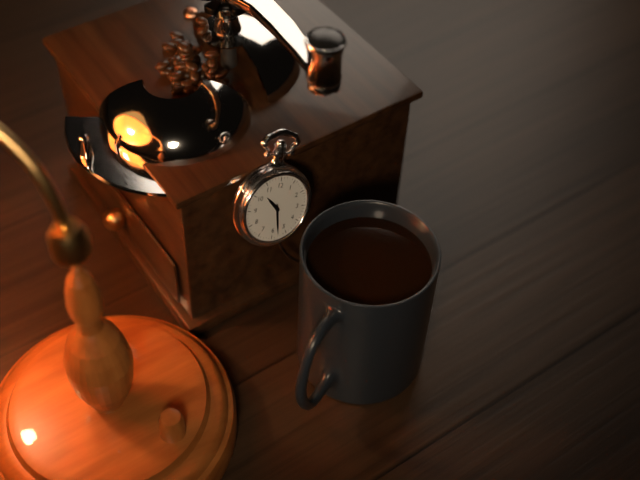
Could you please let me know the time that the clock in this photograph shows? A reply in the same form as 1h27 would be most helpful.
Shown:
10h28
